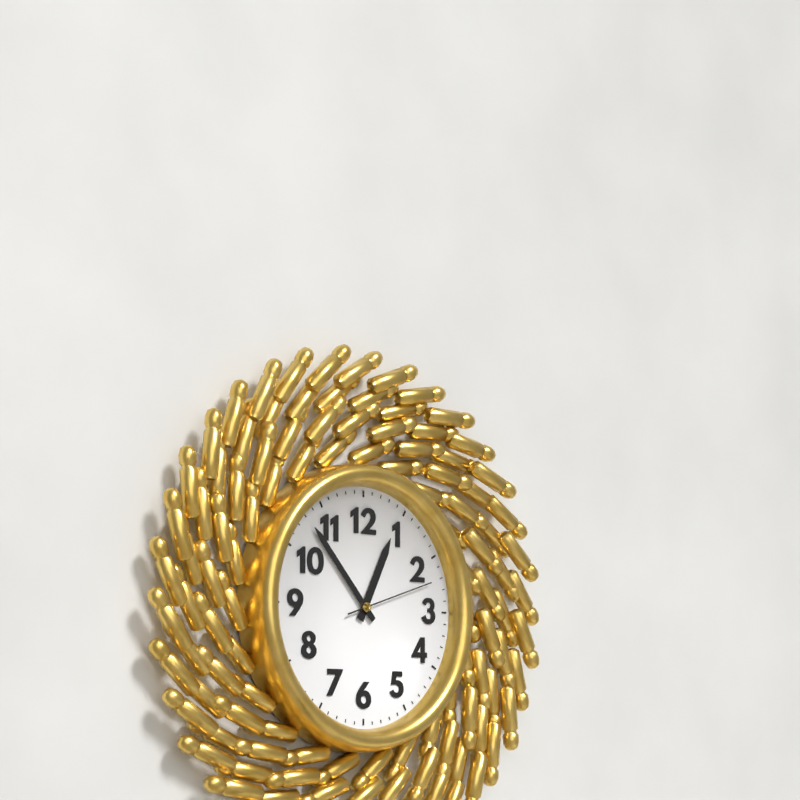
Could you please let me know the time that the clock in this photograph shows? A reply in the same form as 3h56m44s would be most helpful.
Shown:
12h53m12s
